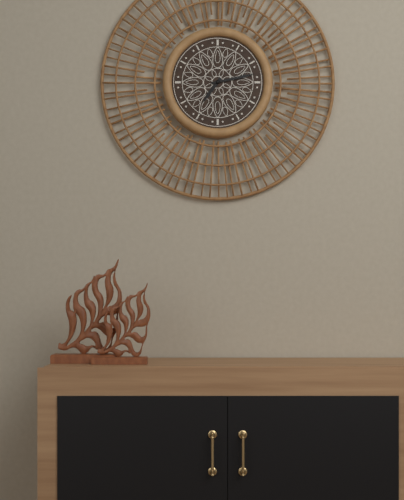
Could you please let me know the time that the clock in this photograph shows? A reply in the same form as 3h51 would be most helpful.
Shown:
7h13
